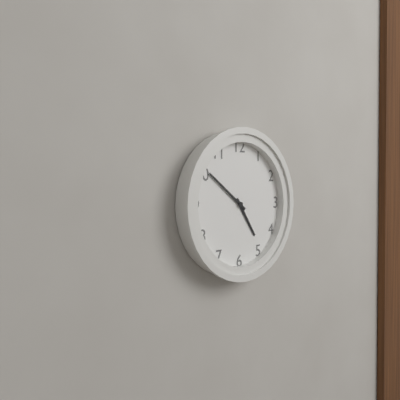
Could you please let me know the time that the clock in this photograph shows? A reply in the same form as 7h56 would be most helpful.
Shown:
4h51
